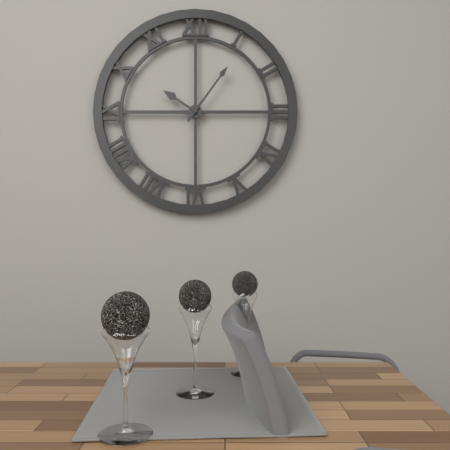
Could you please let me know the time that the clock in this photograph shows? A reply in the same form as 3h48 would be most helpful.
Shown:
10h06
